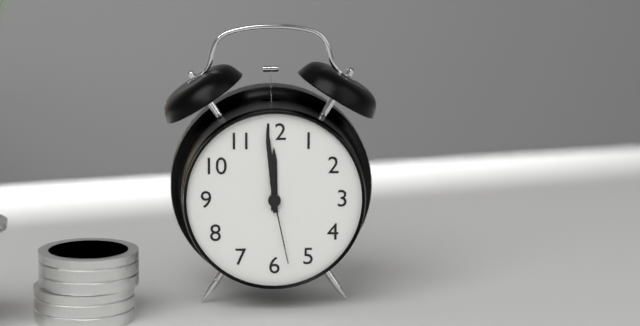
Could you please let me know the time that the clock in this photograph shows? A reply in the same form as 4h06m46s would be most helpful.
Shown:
11h59m28s
